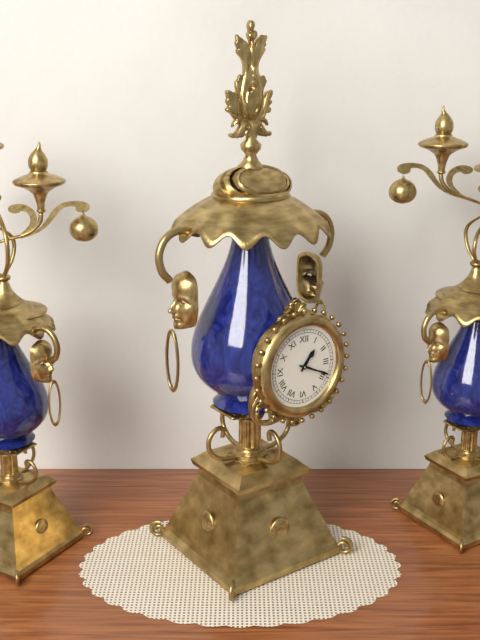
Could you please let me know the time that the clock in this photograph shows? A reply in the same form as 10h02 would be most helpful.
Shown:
1h19
